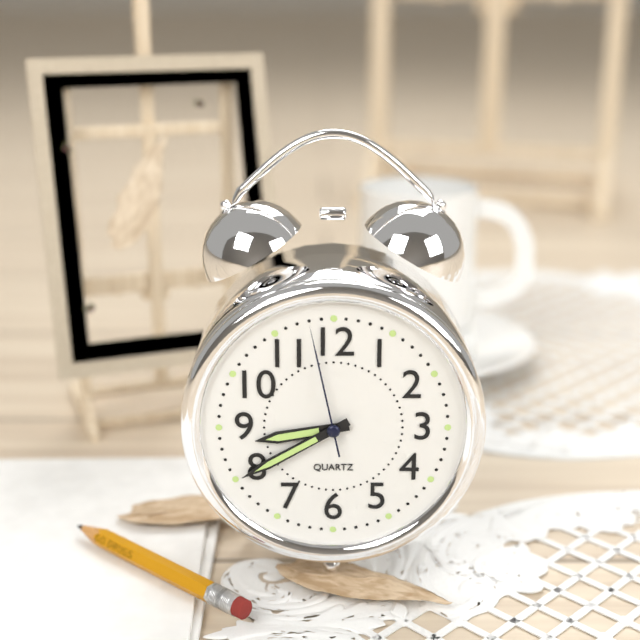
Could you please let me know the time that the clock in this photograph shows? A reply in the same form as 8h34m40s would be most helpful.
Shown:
8h40m58s
